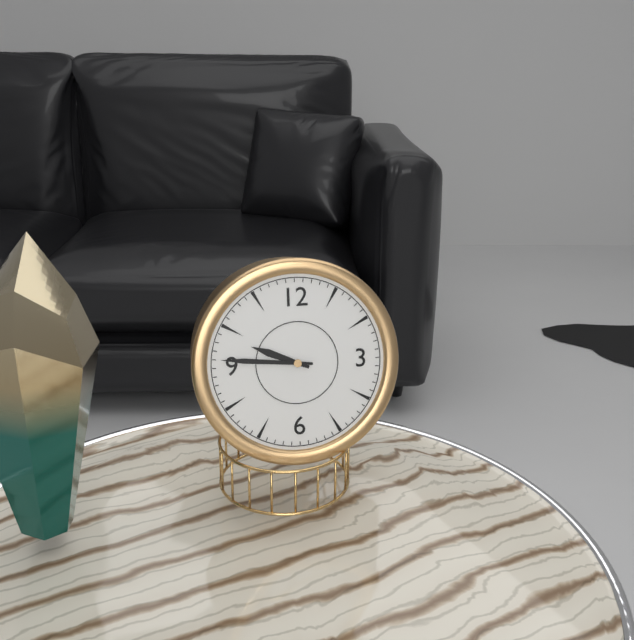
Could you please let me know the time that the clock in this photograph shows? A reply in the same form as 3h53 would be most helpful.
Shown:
9h46
